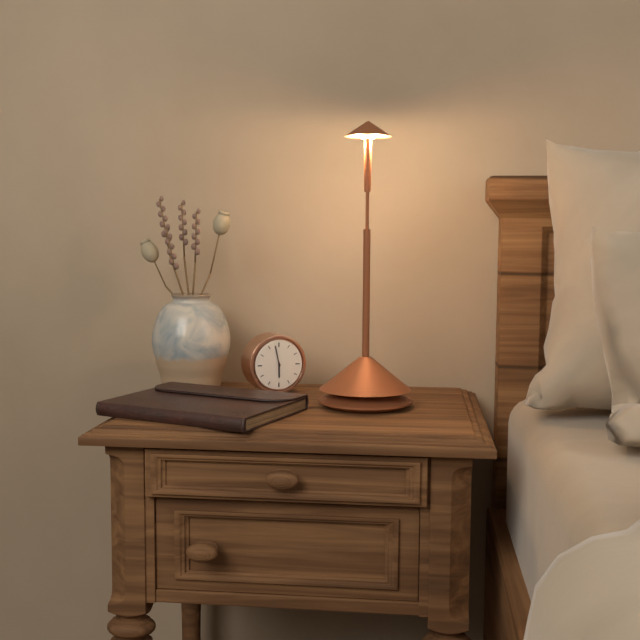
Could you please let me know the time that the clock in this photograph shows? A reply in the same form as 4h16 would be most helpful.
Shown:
5h58
